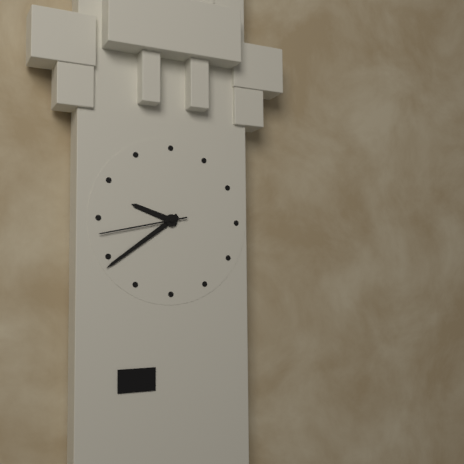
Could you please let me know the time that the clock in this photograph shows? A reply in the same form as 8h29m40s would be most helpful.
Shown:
9h39m43s
